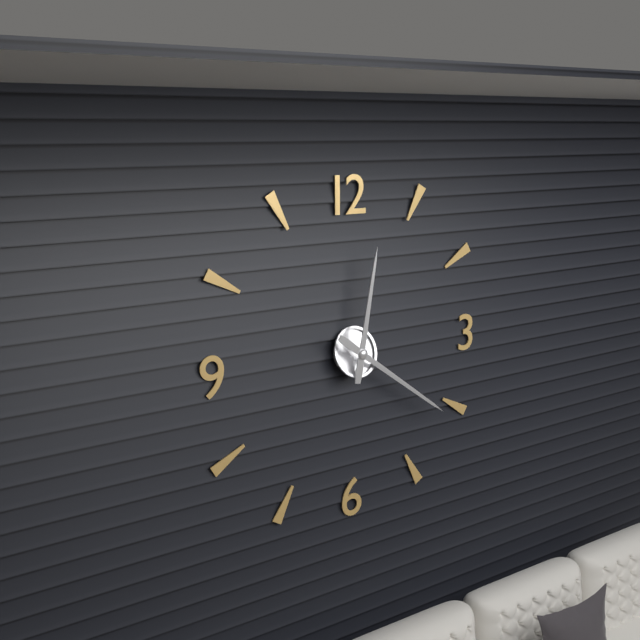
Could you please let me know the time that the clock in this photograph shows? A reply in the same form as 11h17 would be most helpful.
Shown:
12h21
